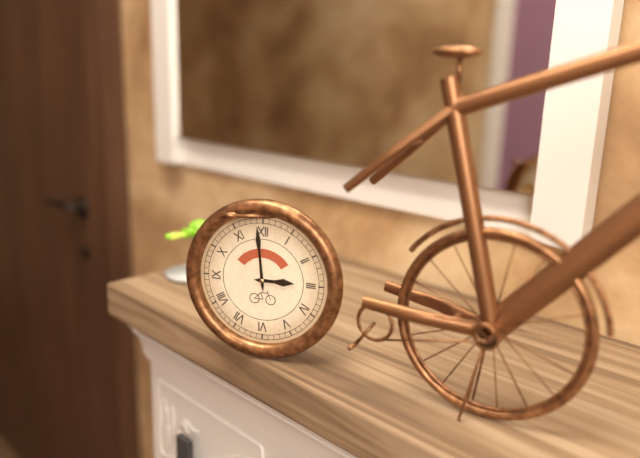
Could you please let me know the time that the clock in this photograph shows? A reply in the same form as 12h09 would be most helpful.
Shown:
2h59
